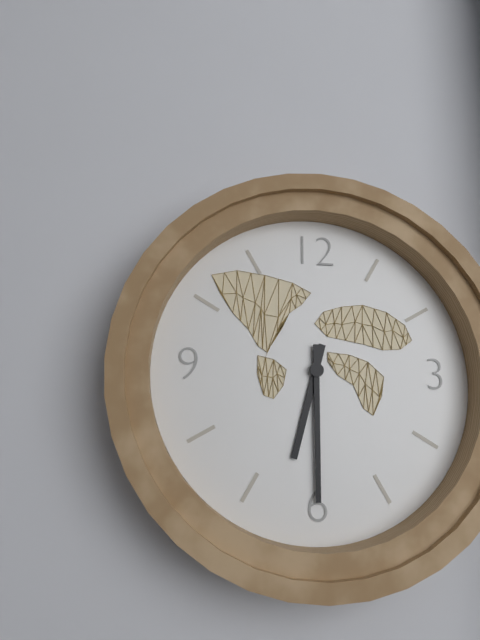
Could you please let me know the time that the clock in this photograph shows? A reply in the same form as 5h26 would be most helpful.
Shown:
6h30
